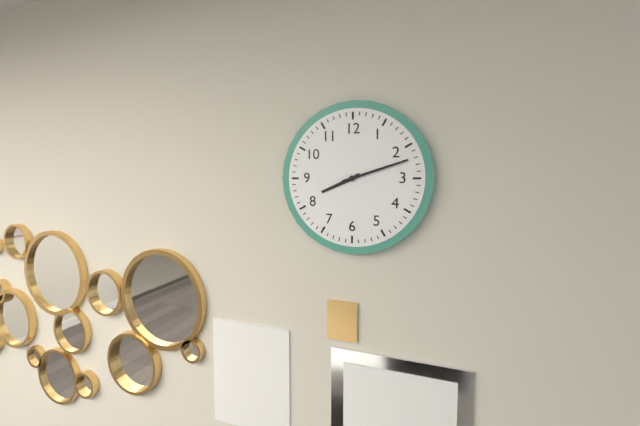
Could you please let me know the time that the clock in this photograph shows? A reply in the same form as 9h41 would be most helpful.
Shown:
8h12
